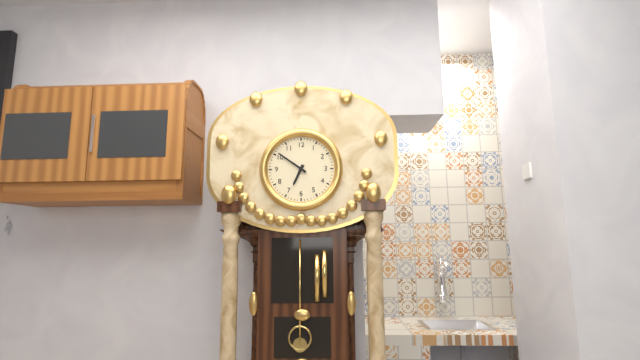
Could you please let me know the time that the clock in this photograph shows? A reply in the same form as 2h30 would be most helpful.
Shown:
6h51
